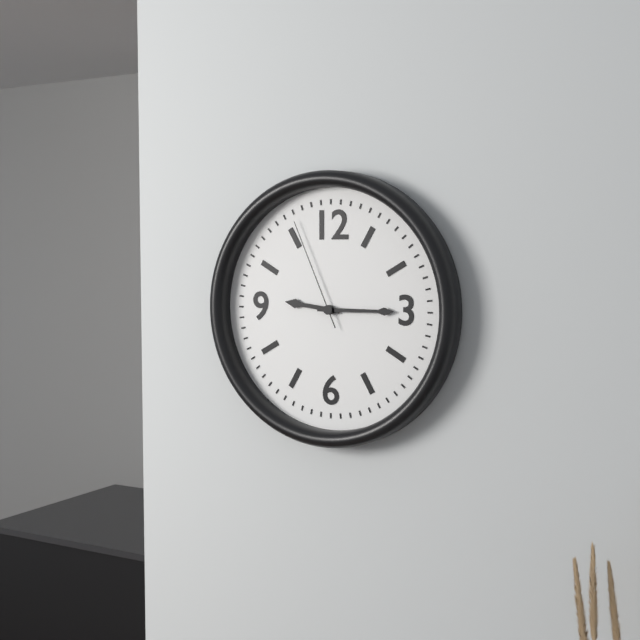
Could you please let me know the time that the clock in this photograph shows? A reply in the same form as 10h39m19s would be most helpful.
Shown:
9h15m56s
